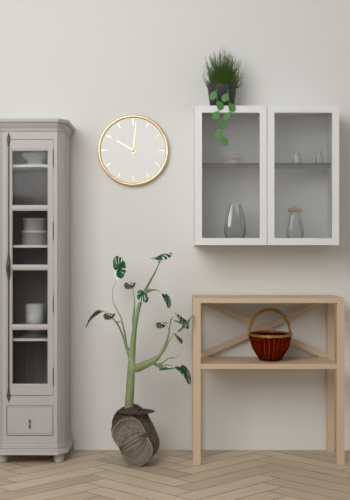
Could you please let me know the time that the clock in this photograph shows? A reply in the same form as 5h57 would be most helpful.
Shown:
10h01
